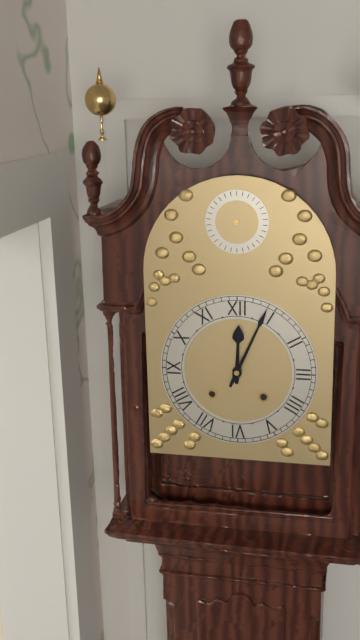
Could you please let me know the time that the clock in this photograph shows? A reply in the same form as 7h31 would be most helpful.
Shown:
12h04
